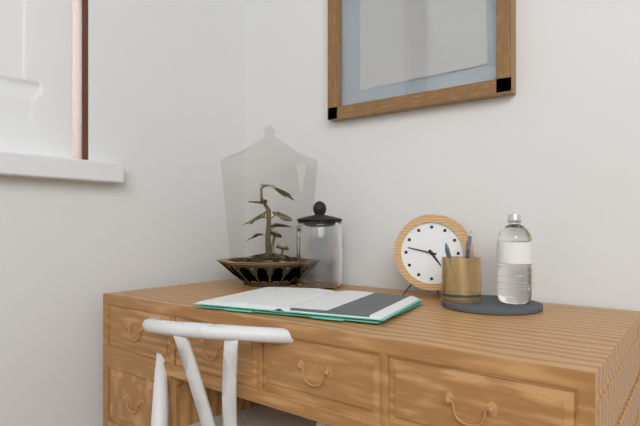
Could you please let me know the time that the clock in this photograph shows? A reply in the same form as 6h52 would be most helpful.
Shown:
4h47
